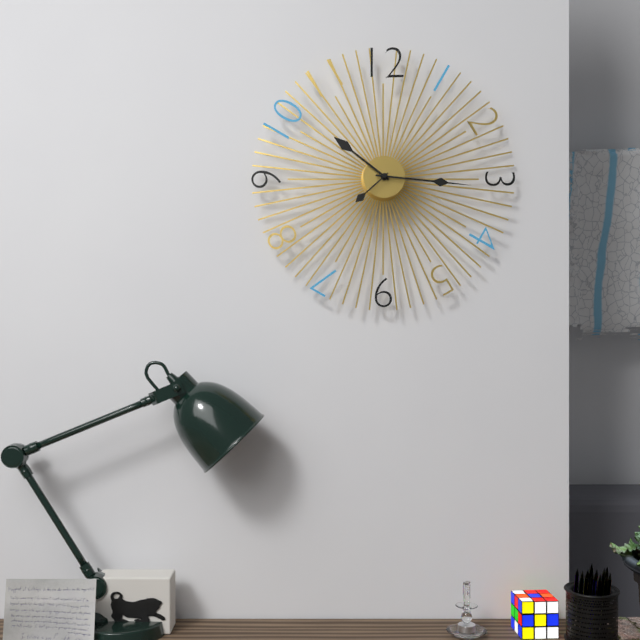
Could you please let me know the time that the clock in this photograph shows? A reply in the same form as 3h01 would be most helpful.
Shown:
10h16
